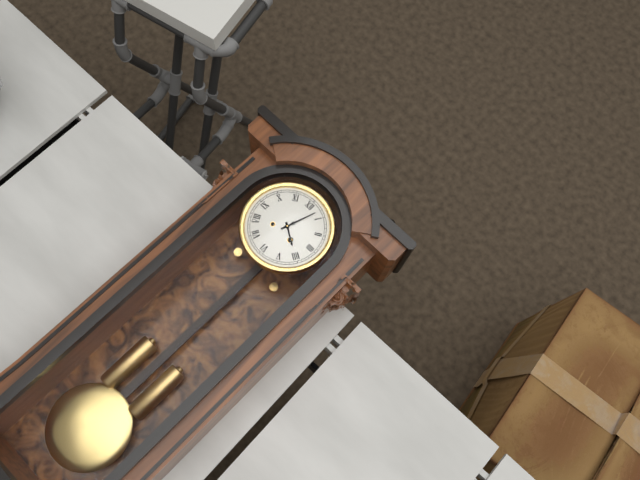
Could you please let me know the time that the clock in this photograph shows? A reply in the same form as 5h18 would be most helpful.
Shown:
4h03
